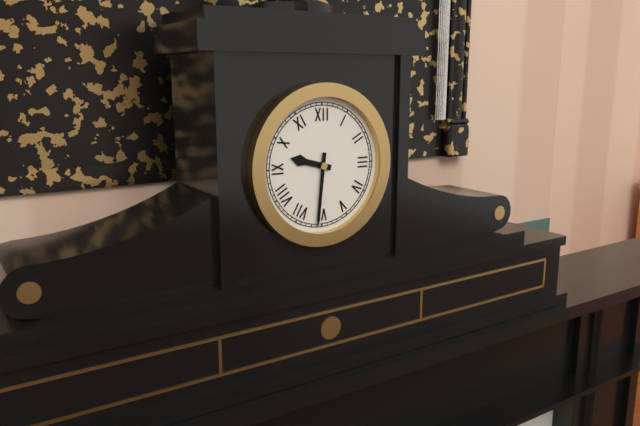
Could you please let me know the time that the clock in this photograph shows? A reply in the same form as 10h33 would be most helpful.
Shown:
9h31
